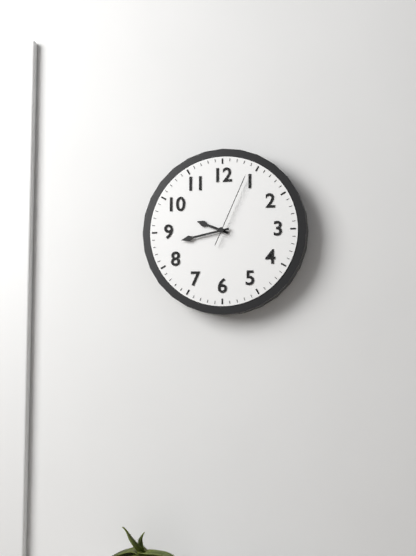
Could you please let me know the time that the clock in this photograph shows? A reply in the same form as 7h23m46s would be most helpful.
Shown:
9h43m04s
